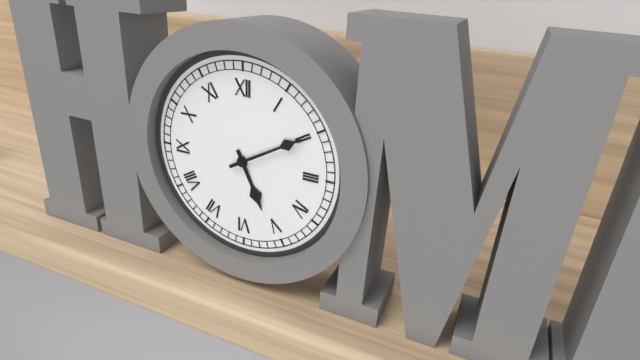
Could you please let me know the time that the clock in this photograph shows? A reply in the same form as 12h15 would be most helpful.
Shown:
5h10
